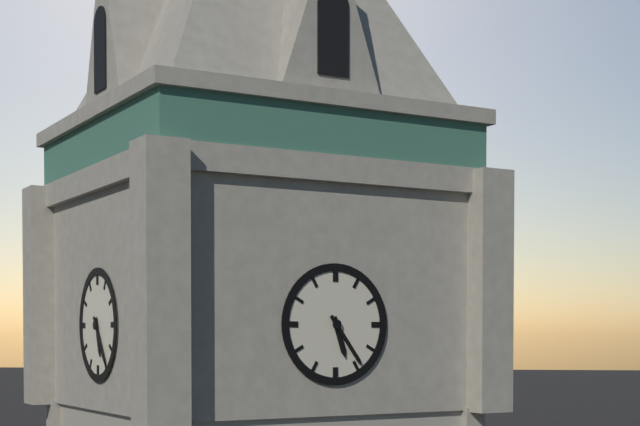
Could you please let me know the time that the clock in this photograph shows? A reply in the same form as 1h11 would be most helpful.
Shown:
5h24
